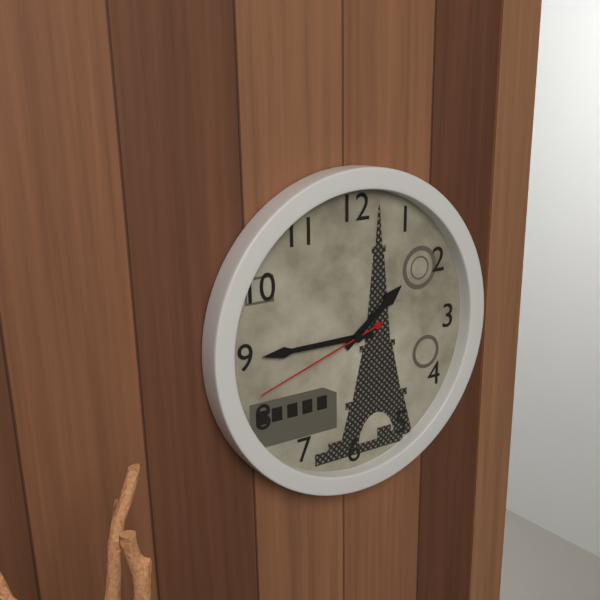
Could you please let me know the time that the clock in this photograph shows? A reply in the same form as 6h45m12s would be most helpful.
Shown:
1h45m42s
